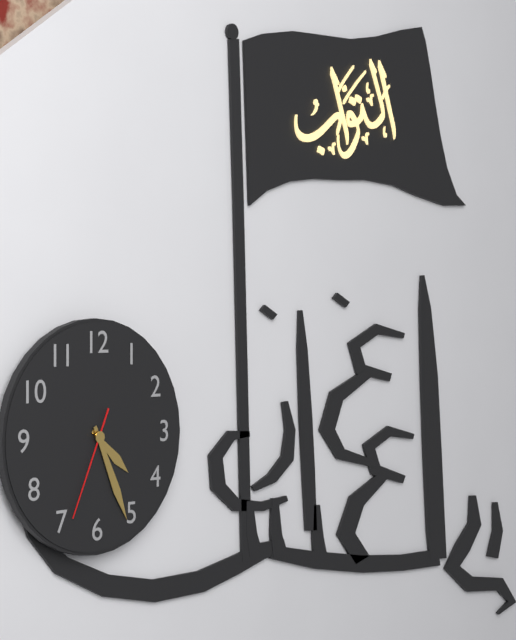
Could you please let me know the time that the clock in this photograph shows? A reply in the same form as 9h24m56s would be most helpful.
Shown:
4h26m34s
